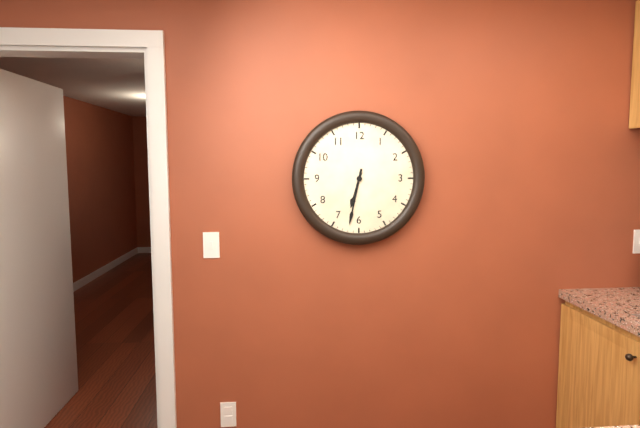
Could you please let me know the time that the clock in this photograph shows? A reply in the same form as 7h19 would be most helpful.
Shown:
6h32
